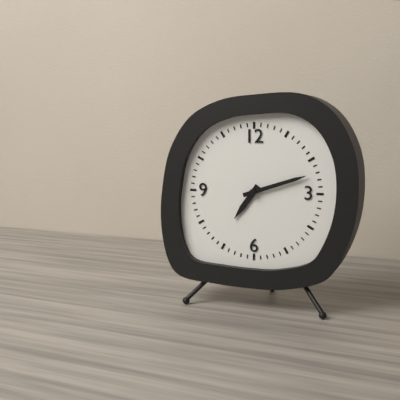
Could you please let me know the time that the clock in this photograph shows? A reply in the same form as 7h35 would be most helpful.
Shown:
7h12
